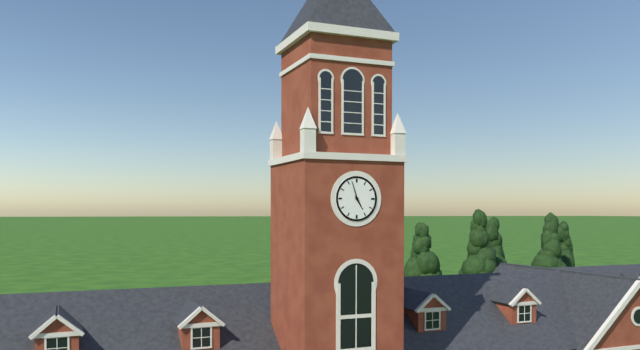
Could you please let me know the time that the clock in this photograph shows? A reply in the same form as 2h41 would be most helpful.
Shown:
4h57
